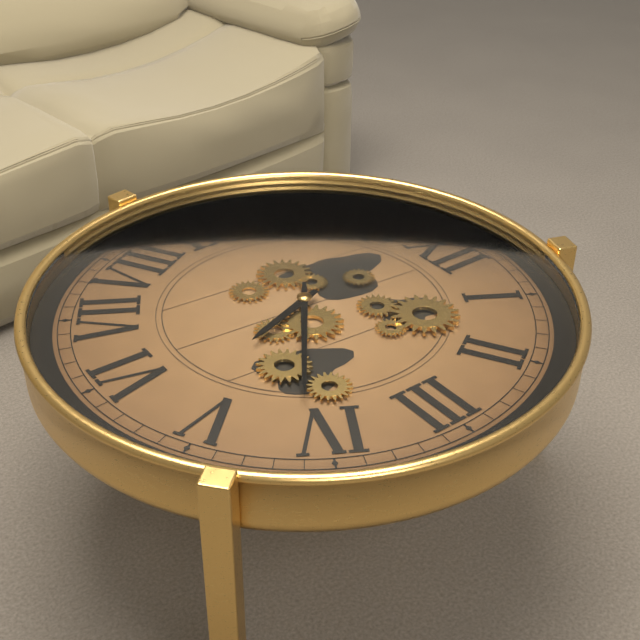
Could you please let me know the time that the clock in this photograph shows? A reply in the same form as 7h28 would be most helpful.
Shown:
5h21
